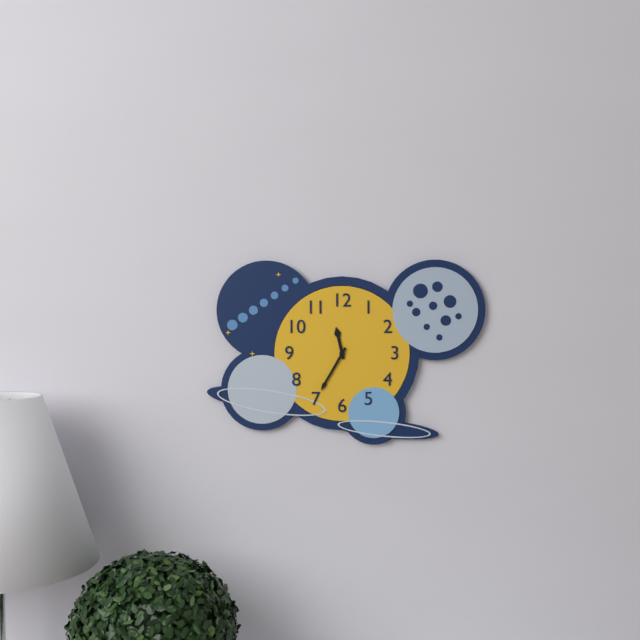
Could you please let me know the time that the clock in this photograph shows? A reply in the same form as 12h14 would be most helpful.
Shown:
11h35
